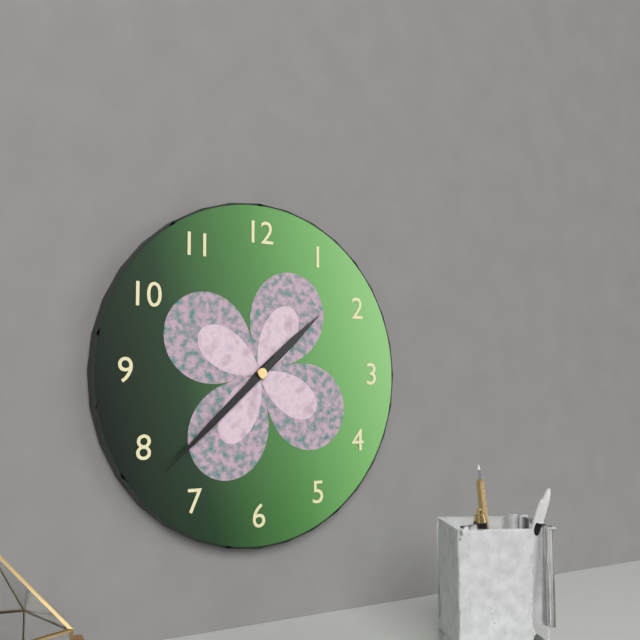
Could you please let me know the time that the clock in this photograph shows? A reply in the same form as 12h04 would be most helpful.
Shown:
1h38
